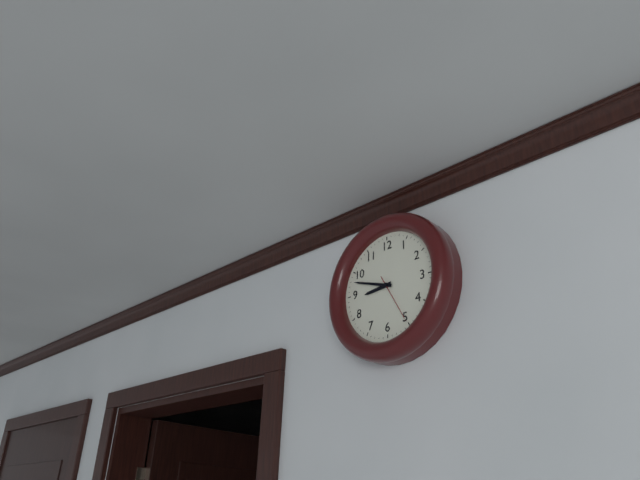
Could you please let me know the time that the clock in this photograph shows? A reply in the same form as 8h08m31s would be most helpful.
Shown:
8h48m25s
